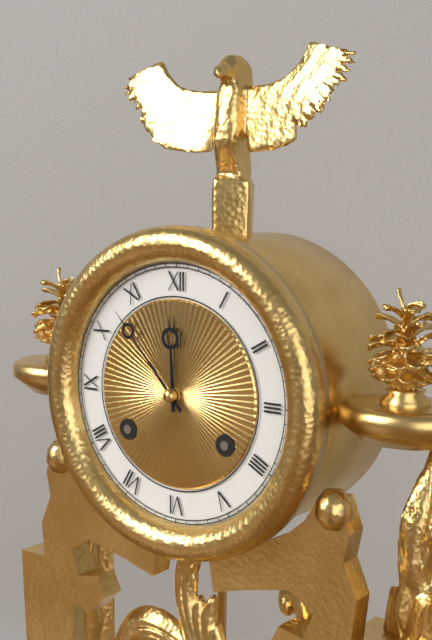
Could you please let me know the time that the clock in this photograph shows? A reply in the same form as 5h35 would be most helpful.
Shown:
11h53
